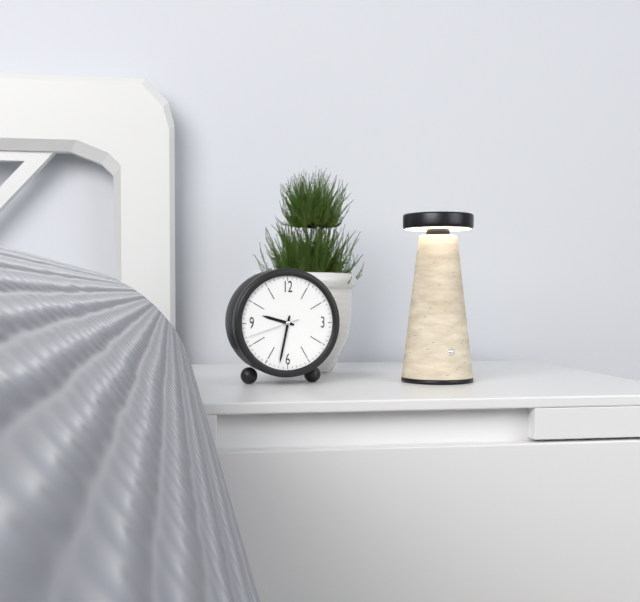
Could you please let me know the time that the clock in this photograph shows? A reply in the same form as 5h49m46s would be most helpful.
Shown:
9h32m42s
